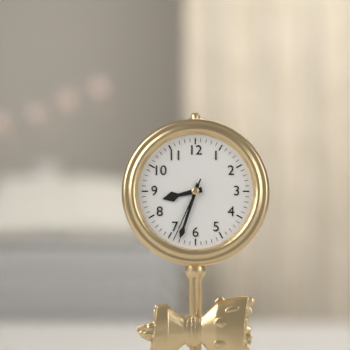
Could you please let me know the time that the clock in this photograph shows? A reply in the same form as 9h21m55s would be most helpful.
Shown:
8h33m34s
